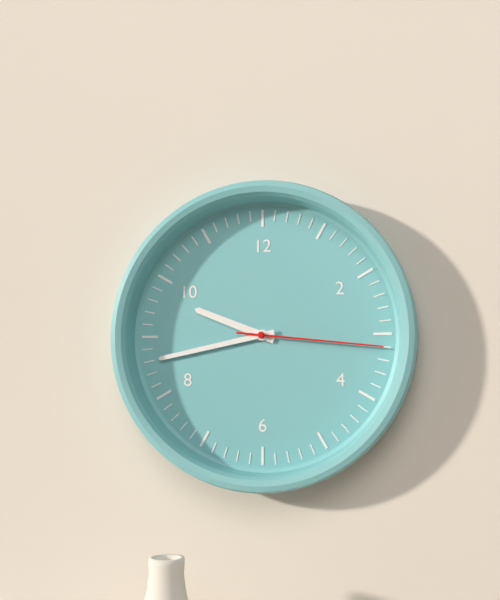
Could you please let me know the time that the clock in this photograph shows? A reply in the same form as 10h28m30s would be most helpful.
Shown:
9h43m16s
